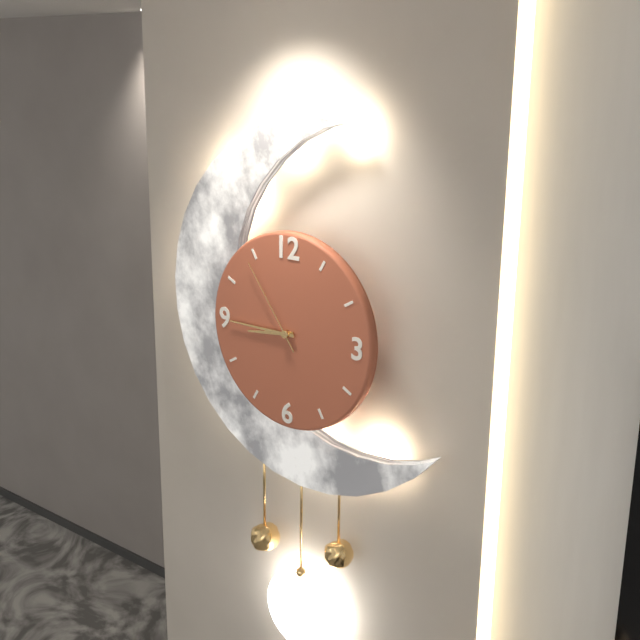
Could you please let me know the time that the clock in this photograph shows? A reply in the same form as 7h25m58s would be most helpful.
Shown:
8h45m54s
